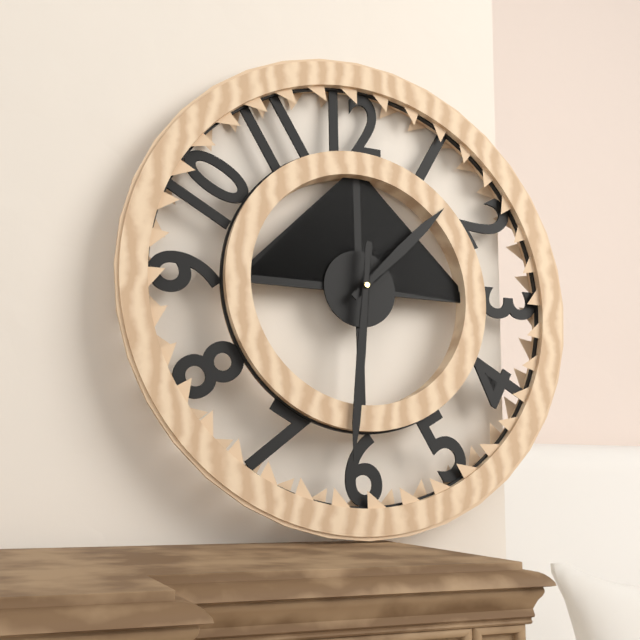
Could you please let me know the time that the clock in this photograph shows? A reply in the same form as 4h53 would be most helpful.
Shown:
1h31
